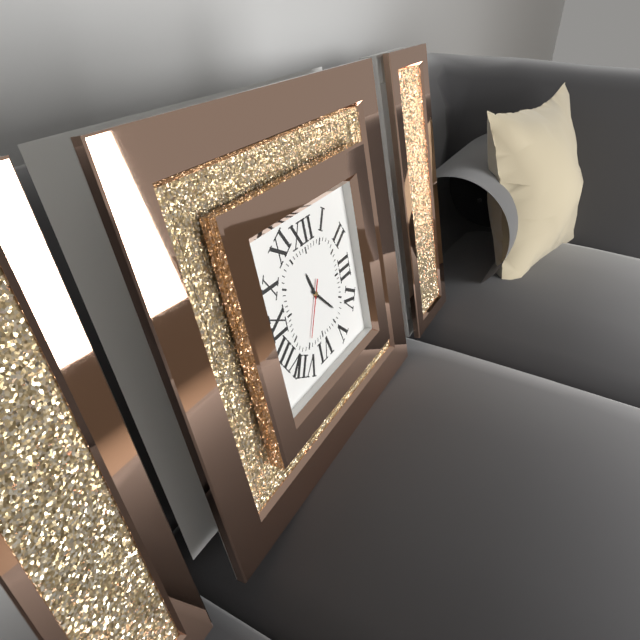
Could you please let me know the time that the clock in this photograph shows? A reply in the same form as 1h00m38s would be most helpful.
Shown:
11h23m35s
